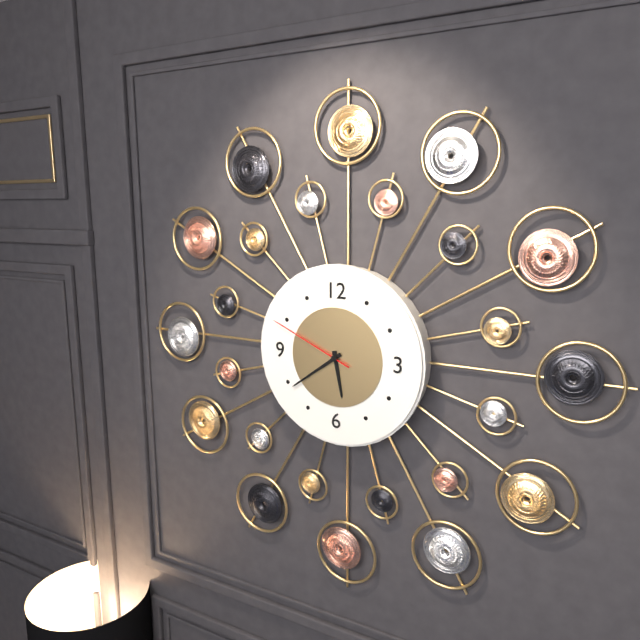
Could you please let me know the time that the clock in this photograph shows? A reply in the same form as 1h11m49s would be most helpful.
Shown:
5h39m49s
